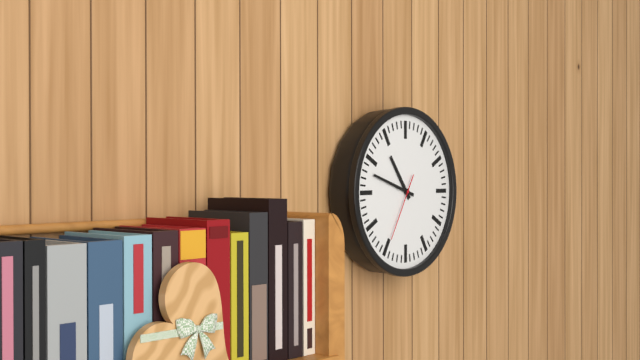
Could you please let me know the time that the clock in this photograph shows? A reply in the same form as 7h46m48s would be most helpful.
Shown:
10h48m35s
